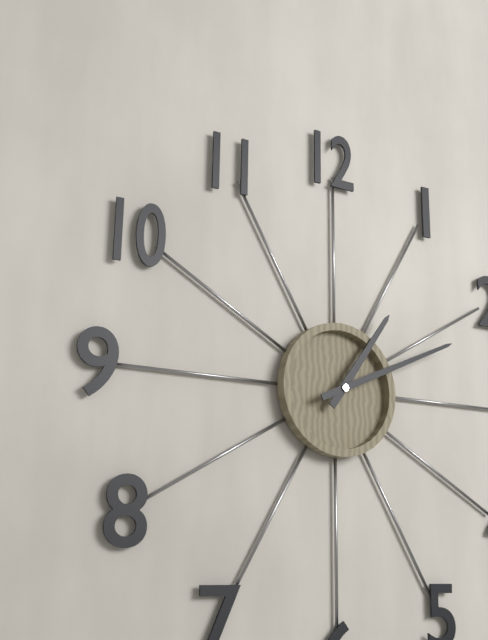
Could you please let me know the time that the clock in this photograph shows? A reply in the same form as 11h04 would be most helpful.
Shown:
1h11
